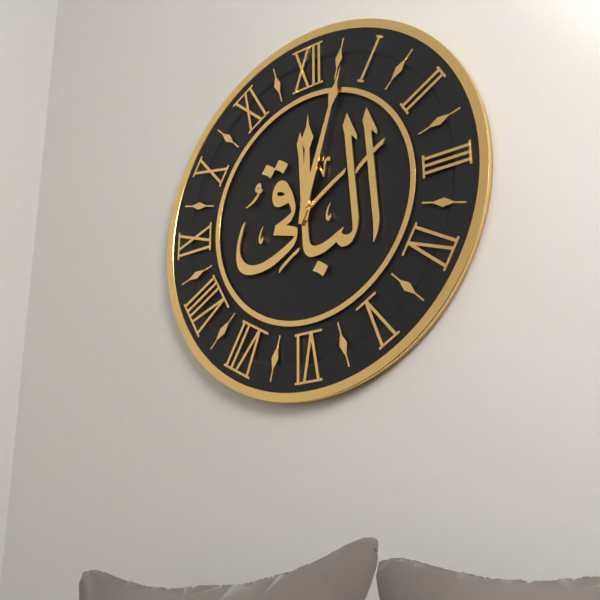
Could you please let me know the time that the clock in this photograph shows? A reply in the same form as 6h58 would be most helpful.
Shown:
12h03
